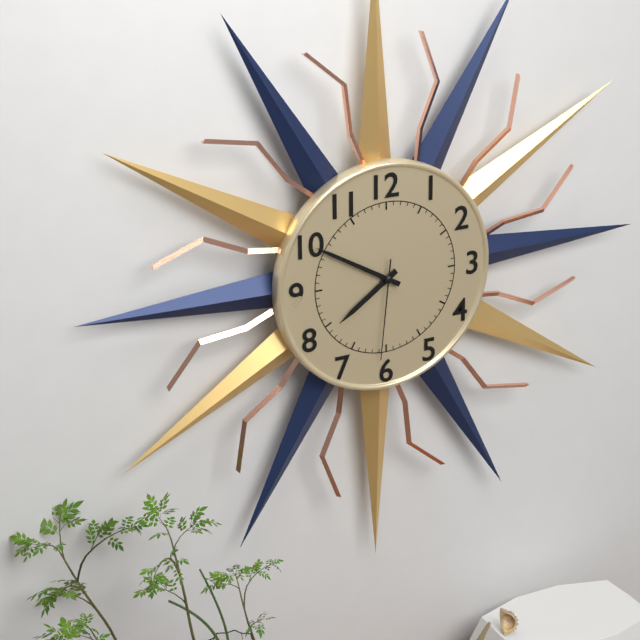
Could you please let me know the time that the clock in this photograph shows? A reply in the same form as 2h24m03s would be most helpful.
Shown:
7h50m31s
